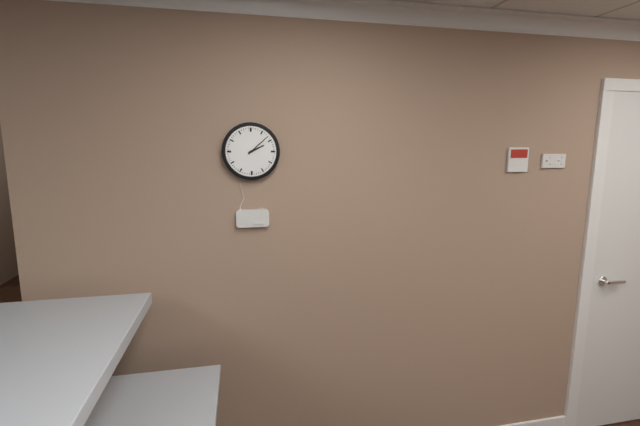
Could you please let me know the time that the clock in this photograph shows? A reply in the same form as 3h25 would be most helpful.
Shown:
2h08
